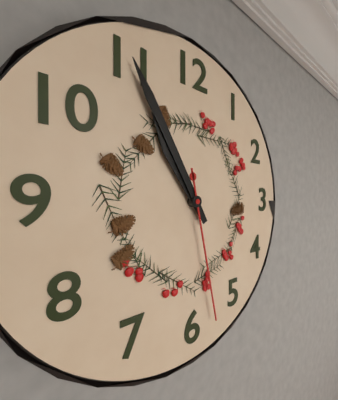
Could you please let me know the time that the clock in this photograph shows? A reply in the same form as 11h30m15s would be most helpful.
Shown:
10h55m28s
